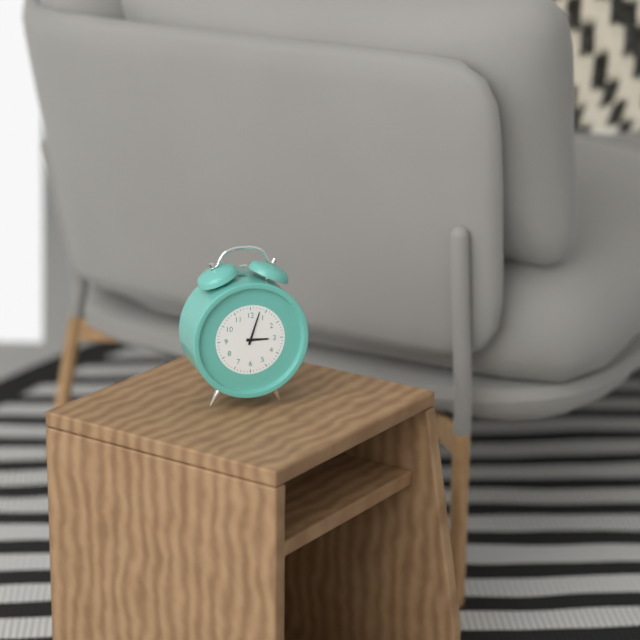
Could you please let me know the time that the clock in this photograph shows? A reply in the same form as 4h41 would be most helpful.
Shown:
3h03
